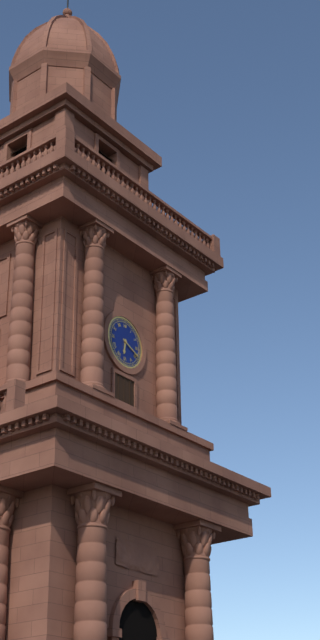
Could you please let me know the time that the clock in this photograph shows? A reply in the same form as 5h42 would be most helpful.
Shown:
6h19
